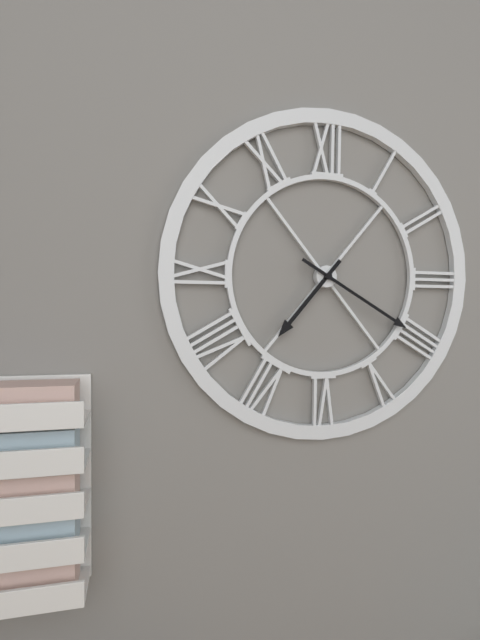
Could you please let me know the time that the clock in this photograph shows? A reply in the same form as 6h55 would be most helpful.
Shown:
7h20
